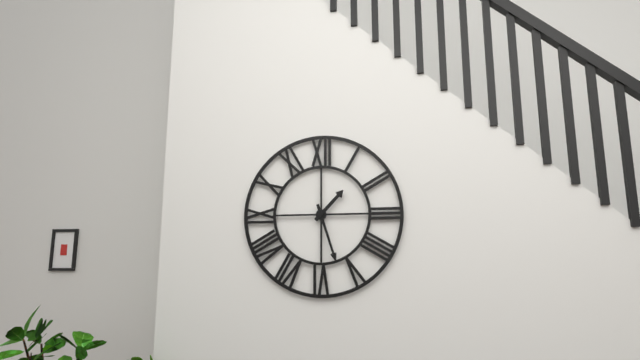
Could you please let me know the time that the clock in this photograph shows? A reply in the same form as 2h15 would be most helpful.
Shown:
1h27
